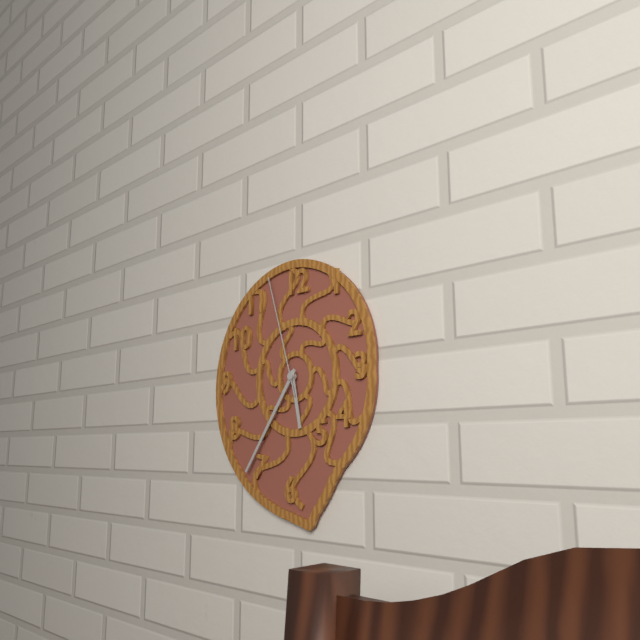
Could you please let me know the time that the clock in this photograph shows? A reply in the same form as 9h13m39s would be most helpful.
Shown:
5h36m57s
